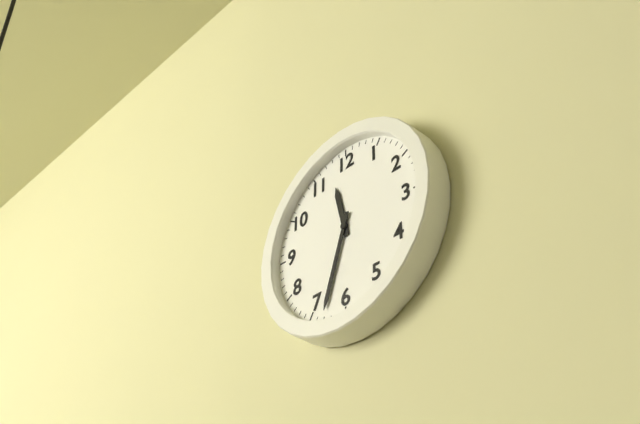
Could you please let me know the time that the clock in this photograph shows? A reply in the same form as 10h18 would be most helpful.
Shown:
11h33
